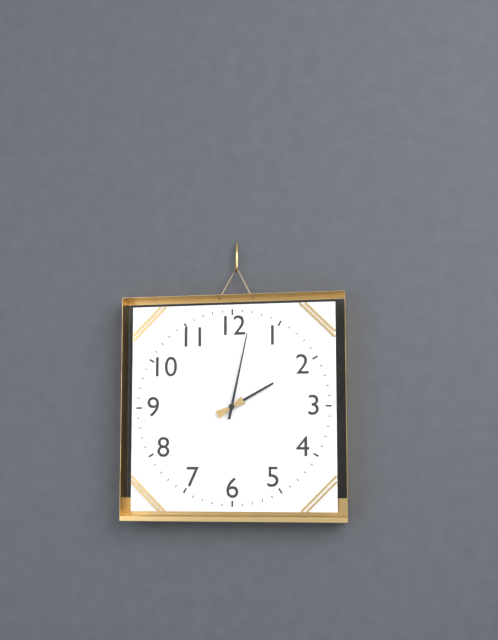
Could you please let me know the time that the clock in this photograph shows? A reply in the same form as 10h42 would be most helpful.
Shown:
2h02
